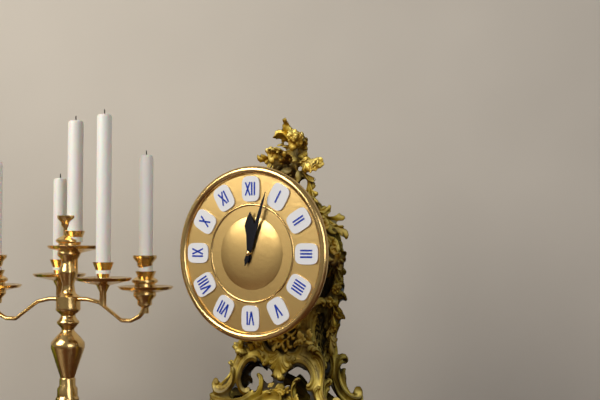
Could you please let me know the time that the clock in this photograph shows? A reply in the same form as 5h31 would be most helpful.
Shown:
12h03
